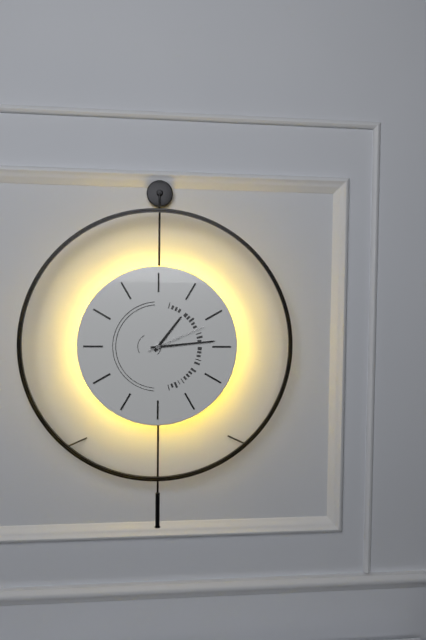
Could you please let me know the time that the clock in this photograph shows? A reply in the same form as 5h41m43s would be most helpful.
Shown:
1h14m11s
